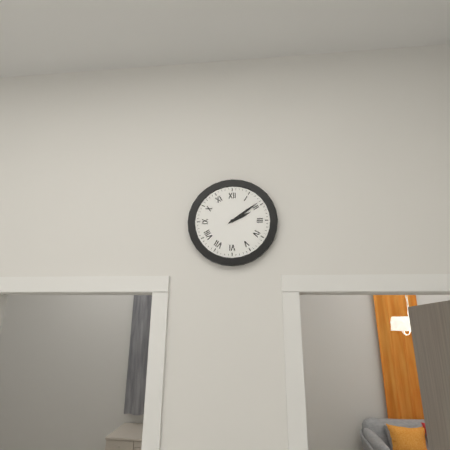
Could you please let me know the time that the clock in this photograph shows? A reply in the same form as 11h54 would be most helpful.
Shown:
2h09
